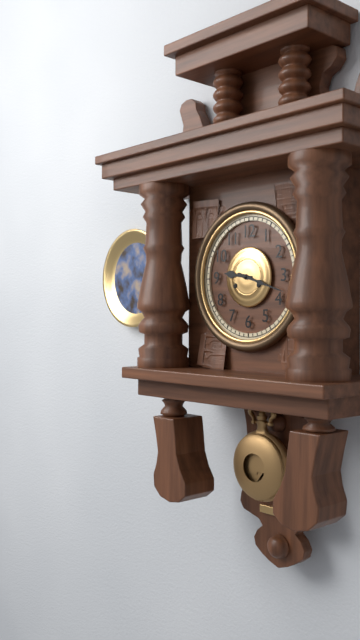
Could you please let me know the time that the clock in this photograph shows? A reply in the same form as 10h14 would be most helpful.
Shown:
9h18
